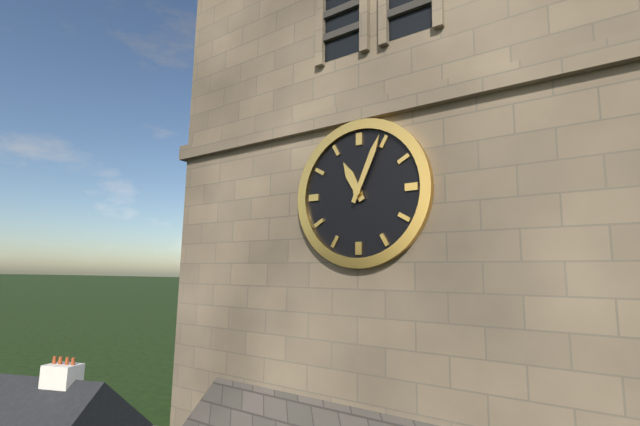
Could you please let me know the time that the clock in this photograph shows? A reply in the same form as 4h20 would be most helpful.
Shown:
11h04
